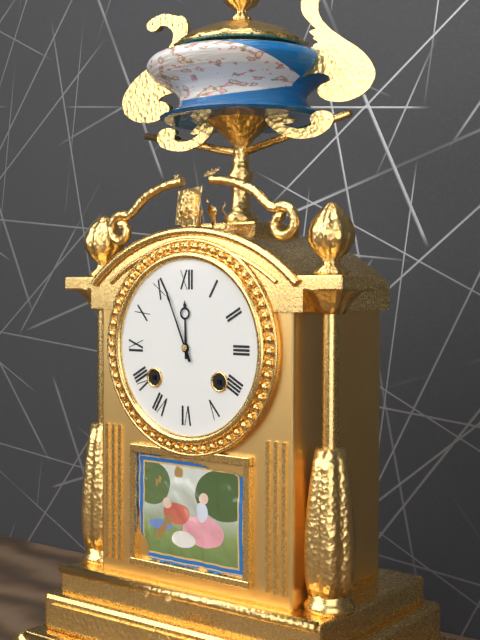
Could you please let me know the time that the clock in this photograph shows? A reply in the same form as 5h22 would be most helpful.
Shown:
11h56
